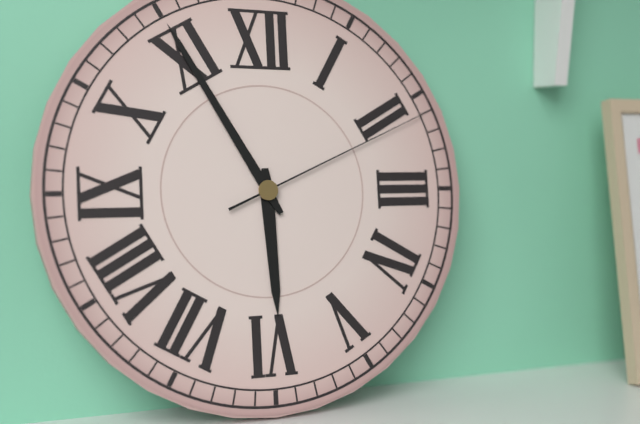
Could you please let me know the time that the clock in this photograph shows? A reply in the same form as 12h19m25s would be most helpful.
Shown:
5h55m11s
